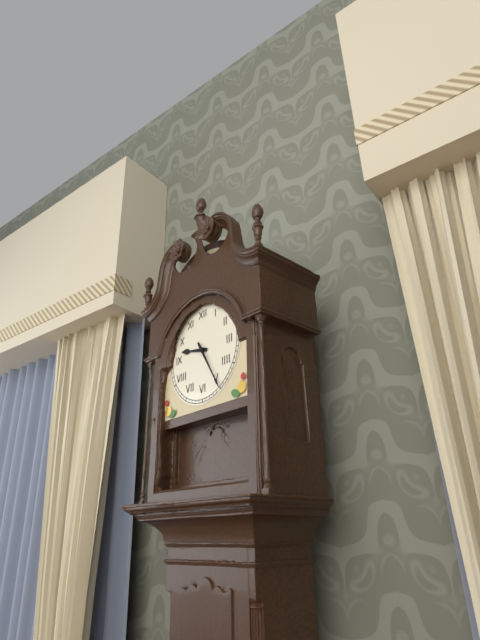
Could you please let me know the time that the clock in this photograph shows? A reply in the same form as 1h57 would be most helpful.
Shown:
9h25
